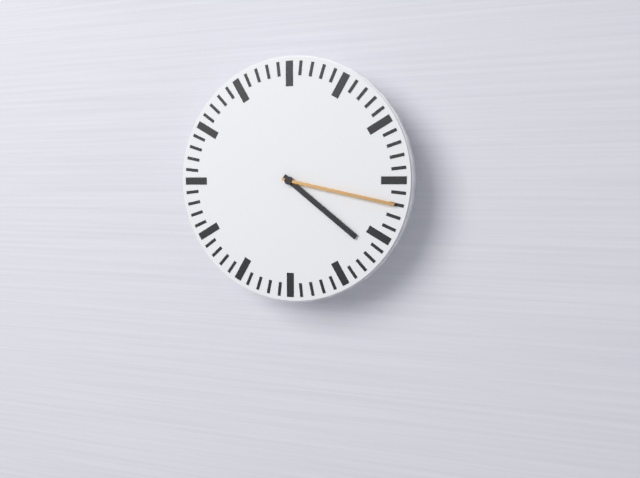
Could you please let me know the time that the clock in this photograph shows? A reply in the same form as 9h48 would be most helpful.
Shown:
4h17
